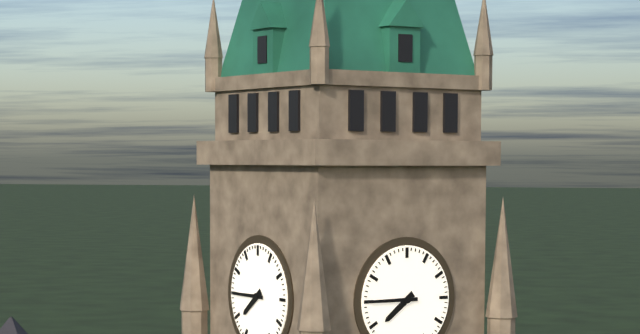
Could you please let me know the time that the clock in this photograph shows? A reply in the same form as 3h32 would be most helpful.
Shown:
7h45
